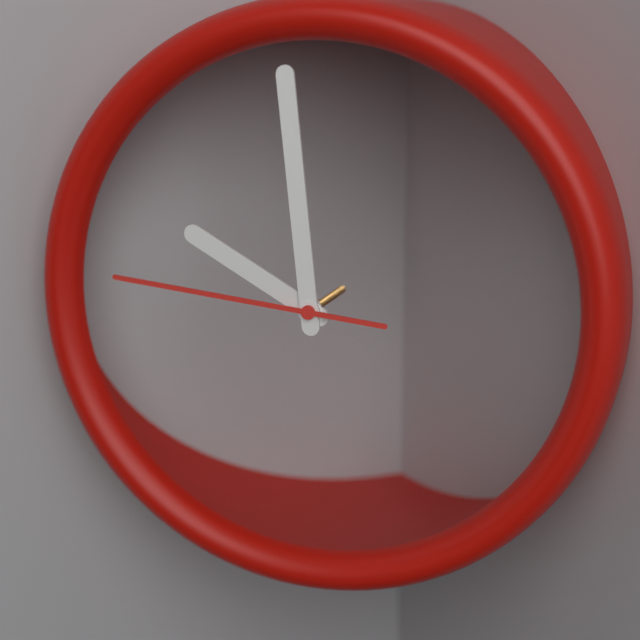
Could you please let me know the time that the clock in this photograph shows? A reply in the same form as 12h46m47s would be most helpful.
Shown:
9h59m46s
